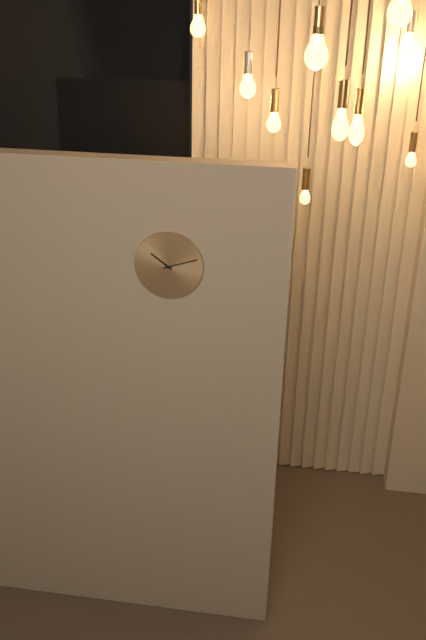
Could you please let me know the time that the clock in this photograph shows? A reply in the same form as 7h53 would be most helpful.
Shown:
10h12
